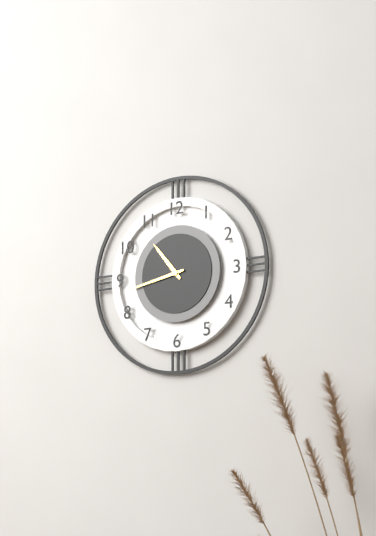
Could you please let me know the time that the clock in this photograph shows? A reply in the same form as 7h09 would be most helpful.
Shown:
10h43
